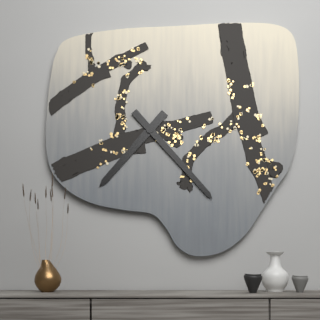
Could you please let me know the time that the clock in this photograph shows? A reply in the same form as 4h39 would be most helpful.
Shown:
7h23
